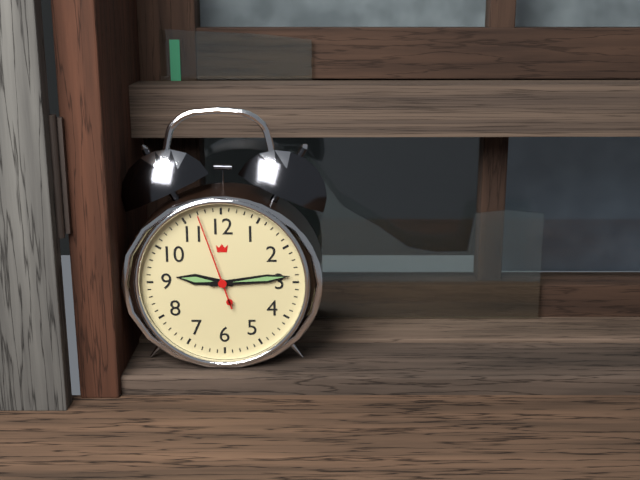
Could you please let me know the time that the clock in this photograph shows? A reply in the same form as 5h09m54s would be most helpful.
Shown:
9h14m57s
